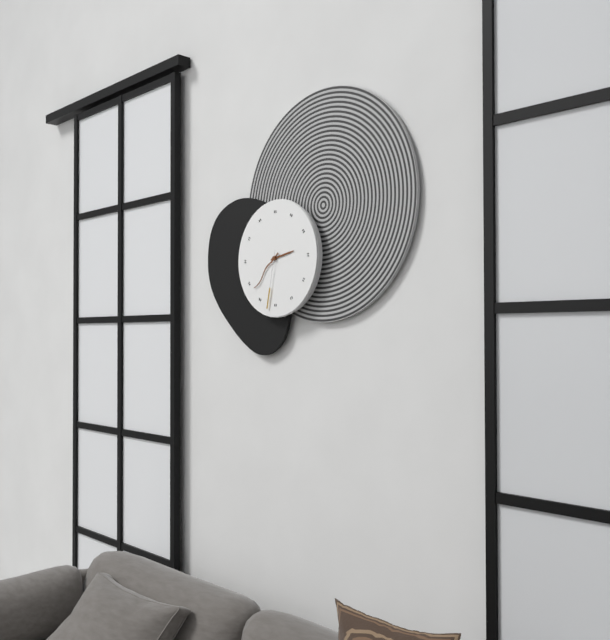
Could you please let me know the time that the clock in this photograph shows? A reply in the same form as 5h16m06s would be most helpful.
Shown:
2h38m32s
